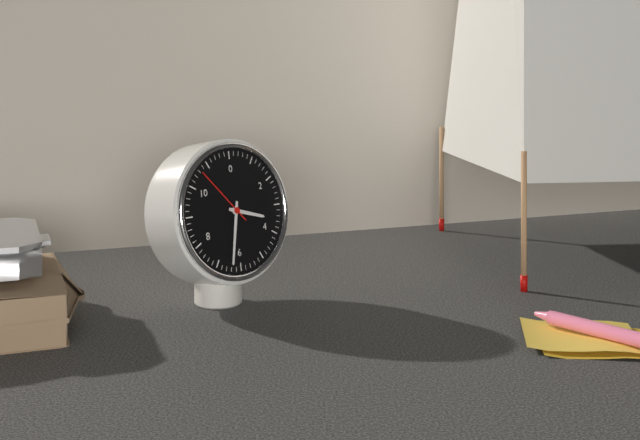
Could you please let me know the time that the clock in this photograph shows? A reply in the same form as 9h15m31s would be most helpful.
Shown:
3h32m53s
